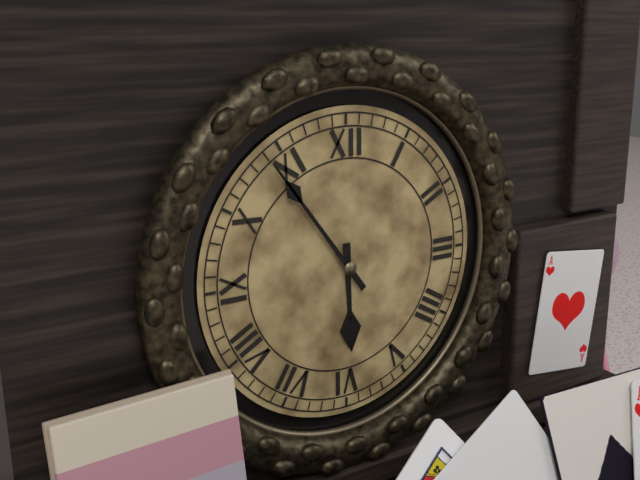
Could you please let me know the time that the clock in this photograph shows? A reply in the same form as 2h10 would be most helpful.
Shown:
5h54
